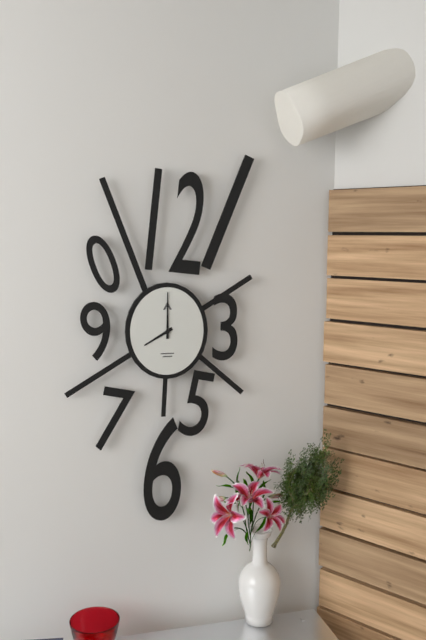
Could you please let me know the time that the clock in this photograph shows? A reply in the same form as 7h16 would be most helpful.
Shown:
8h00
